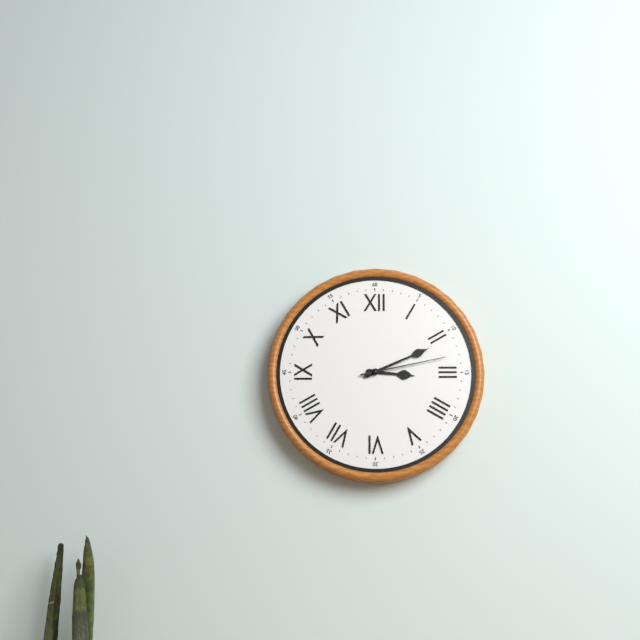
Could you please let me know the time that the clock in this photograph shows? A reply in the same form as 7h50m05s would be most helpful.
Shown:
3h11m13s
